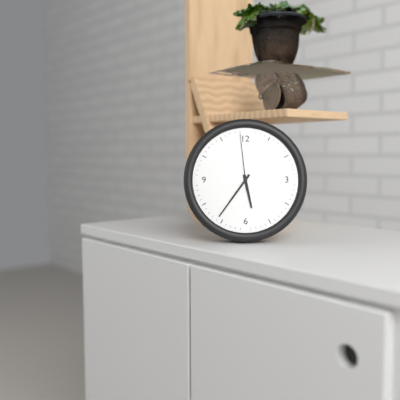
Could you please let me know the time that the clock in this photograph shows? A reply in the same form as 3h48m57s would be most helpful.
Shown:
5h36m59s
